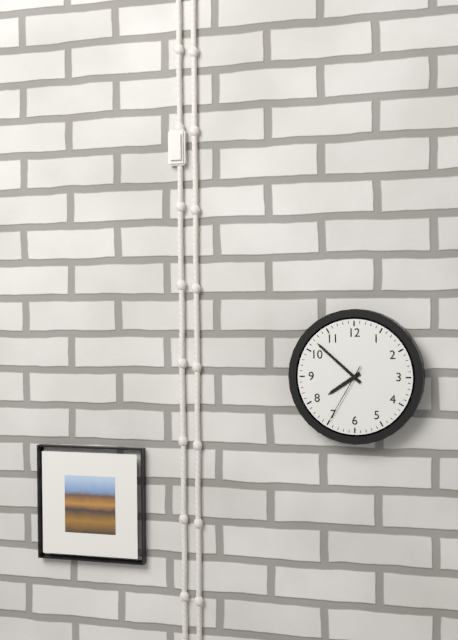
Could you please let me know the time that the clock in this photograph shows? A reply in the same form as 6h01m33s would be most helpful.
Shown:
7h52m35s
